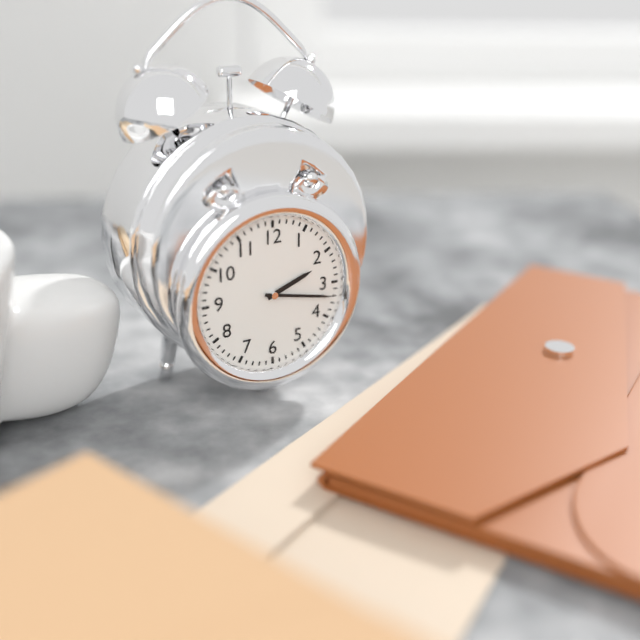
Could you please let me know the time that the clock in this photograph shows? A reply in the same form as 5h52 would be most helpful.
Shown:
2h17
